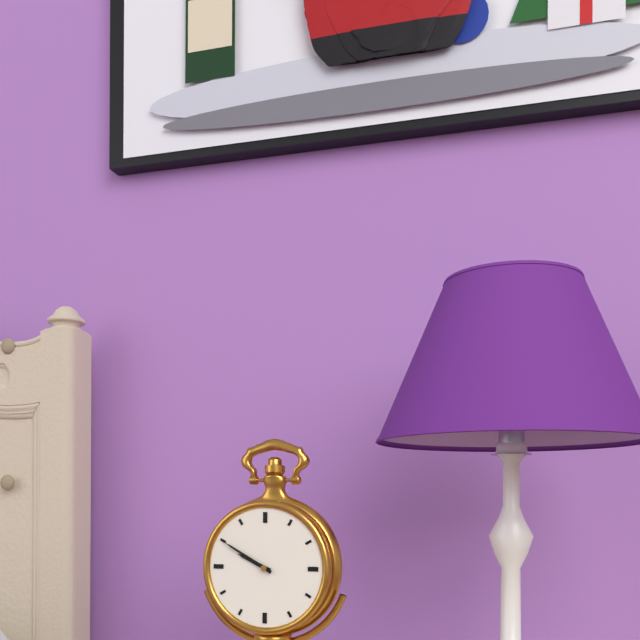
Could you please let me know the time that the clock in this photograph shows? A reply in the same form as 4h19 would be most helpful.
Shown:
9h50
